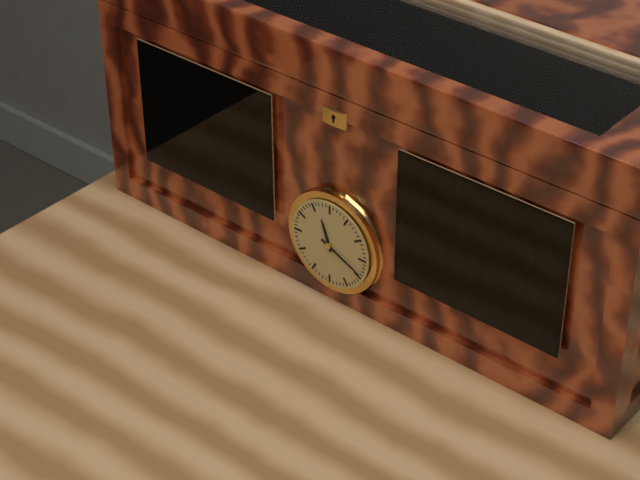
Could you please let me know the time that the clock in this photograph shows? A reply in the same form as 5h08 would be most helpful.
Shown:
11h19
